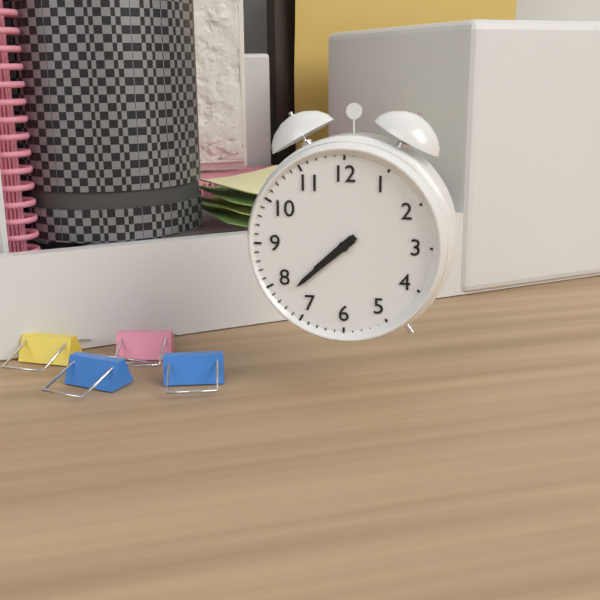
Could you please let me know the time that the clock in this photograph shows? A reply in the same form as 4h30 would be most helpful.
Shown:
7h38
